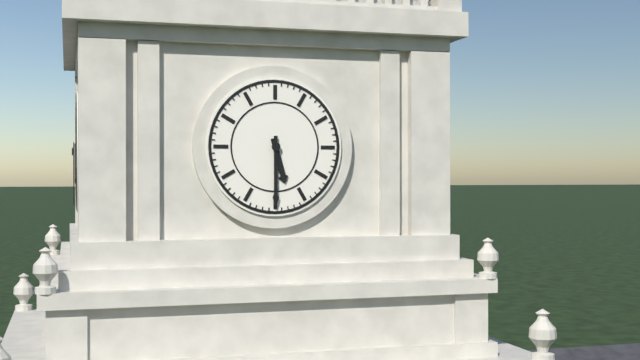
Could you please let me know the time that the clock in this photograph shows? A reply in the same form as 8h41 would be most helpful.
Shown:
5h30
